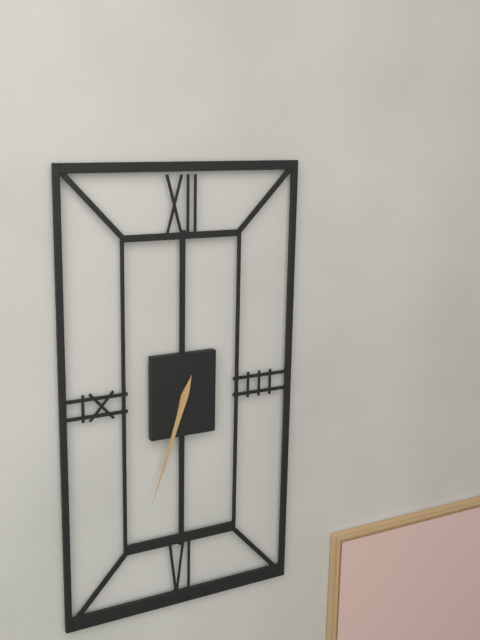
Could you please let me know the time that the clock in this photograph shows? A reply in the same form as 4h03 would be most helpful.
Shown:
6h33
